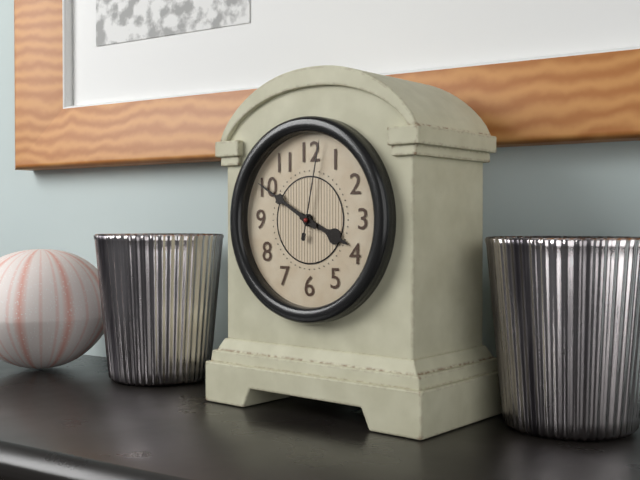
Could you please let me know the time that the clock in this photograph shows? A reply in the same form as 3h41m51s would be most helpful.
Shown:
3h50m02s
